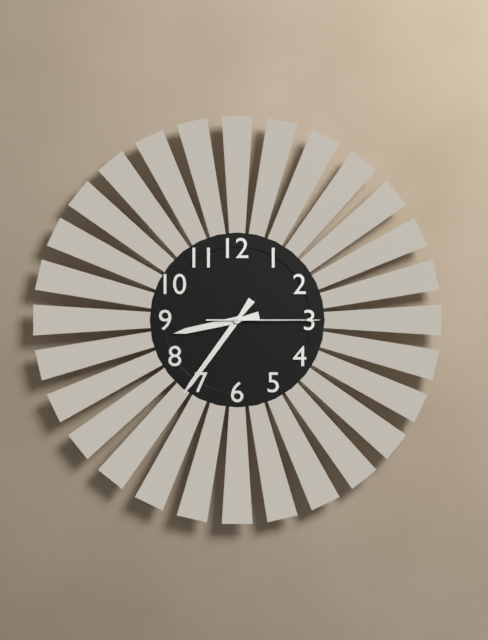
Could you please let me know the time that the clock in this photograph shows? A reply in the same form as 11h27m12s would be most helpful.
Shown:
8h36m15s
